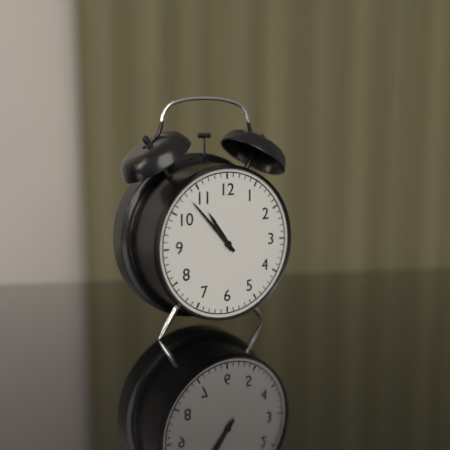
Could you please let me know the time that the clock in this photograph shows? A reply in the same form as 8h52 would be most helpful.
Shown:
10h53
